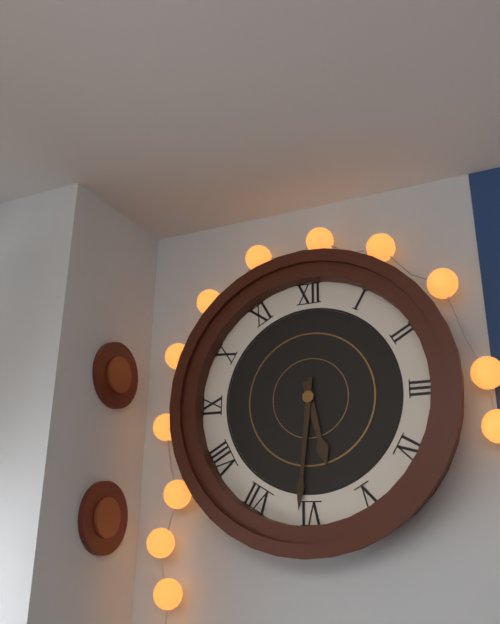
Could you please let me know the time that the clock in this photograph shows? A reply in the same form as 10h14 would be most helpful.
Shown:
5h31
